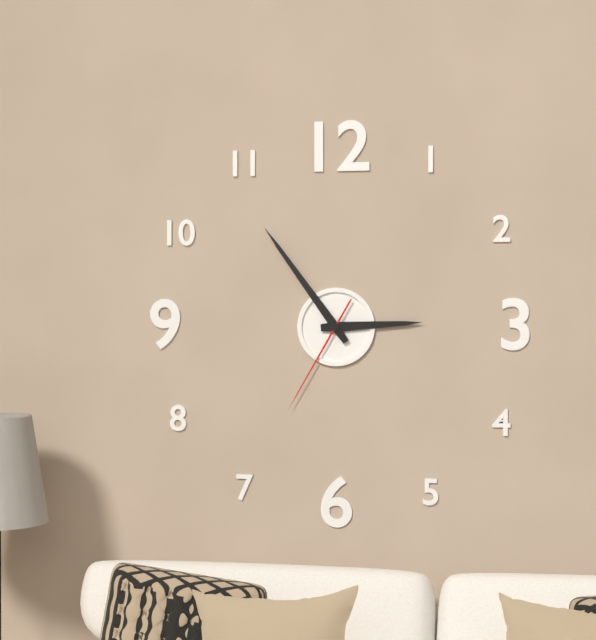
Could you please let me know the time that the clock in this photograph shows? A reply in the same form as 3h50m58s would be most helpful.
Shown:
2h54m35s
